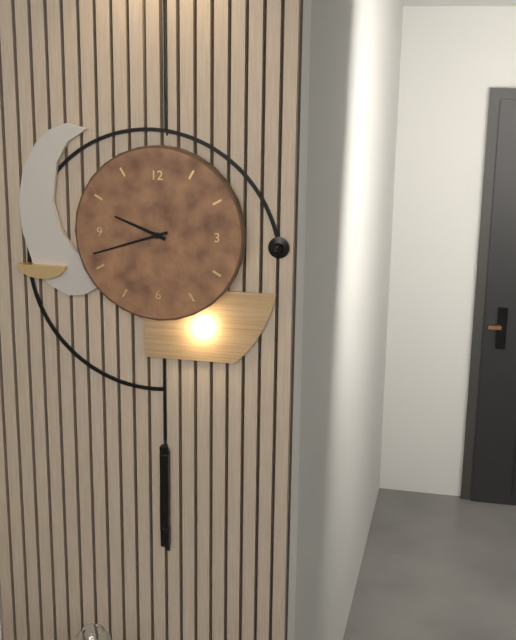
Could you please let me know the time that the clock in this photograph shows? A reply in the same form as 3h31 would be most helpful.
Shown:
9h42
